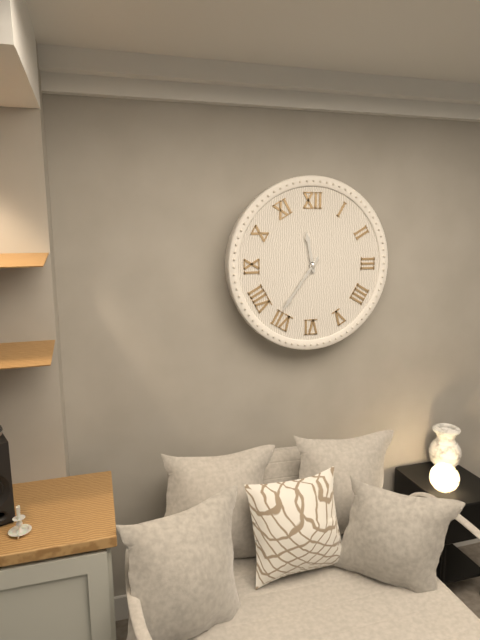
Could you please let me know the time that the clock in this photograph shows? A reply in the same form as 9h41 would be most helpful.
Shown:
11h36
